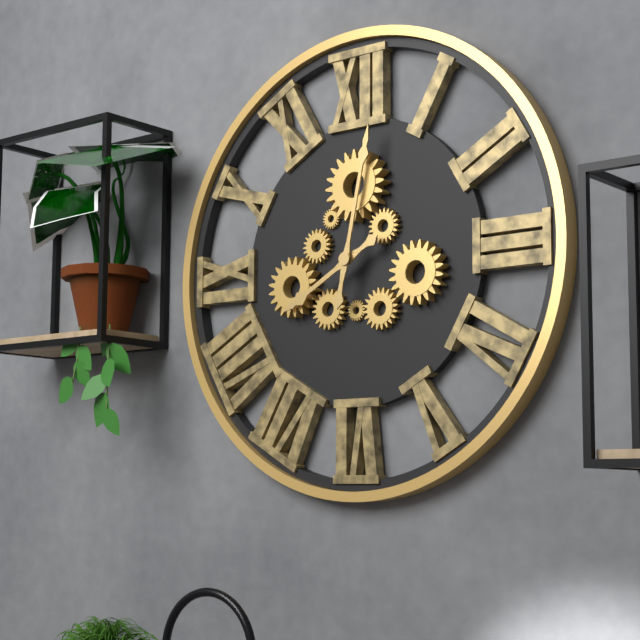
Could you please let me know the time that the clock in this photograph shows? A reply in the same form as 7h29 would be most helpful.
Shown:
8h02
